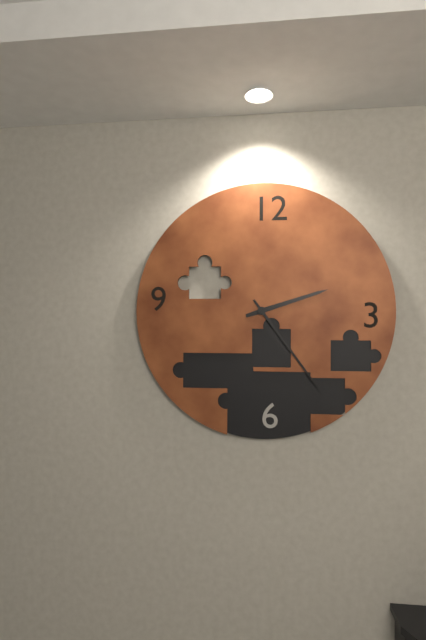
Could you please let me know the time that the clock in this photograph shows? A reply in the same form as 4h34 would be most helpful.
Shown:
2h24
